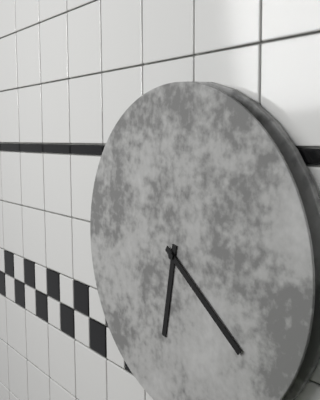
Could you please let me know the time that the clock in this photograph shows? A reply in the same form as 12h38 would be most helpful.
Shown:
6h21
